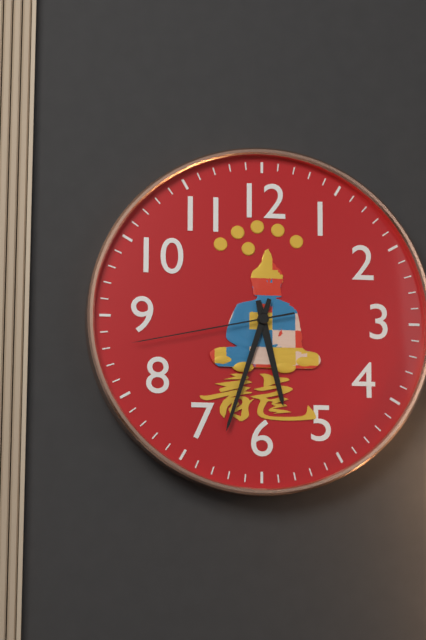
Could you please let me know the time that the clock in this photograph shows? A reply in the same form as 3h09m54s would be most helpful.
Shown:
5h33m43s
